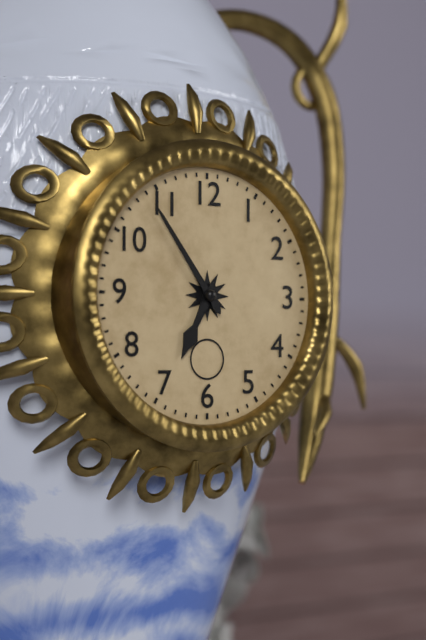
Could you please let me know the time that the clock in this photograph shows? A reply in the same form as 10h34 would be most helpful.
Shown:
6h54
